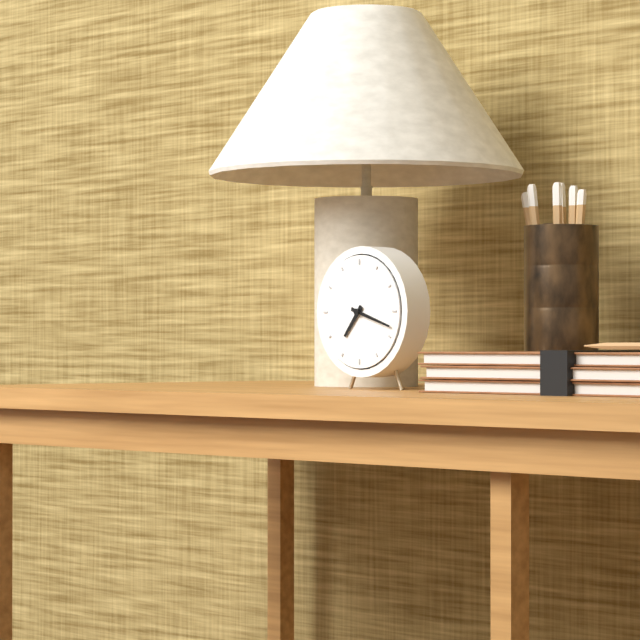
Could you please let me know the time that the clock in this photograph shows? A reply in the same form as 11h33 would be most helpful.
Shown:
7h18
